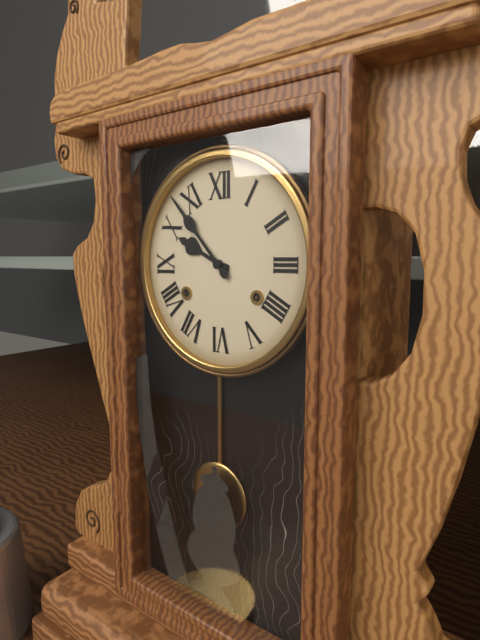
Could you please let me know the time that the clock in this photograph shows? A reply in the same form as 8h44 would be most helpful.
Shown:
9h53
